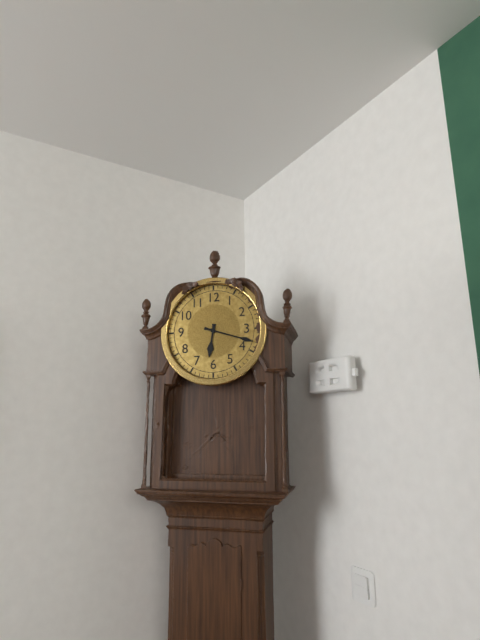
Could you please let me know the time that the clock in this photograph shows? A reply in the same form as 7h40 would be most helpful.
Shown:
6h18
